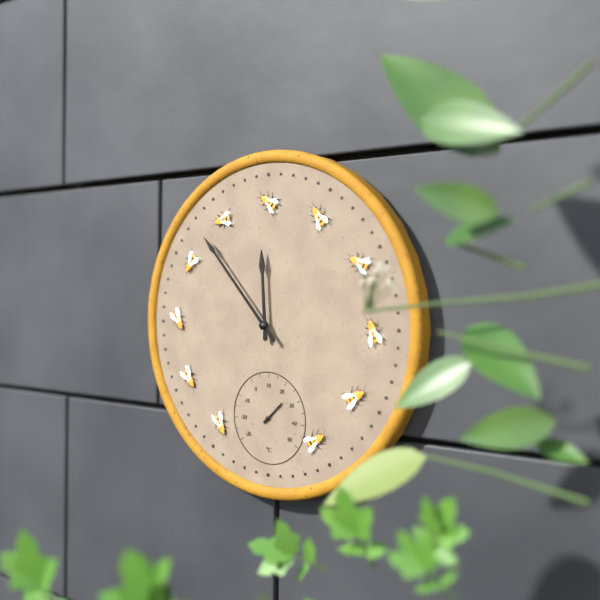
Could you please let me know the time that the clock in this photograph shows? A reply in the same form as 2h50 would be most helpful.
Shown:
11h53
